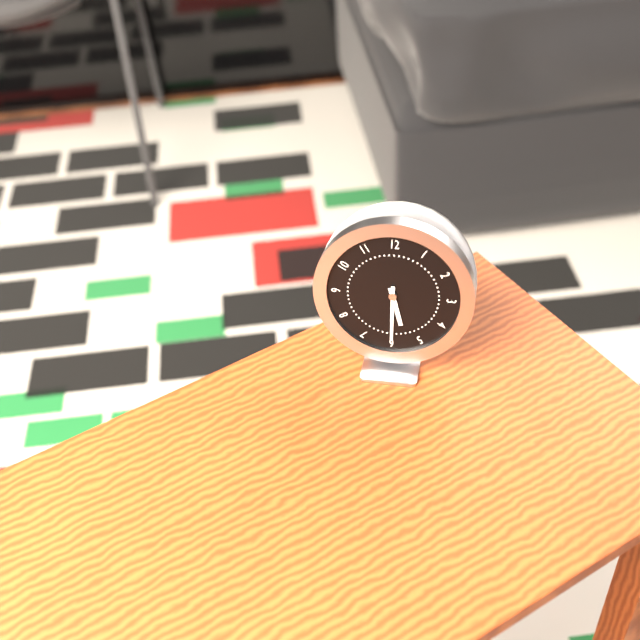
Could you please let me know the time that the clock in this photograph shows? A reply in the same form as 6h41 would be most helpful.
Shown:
5h30
